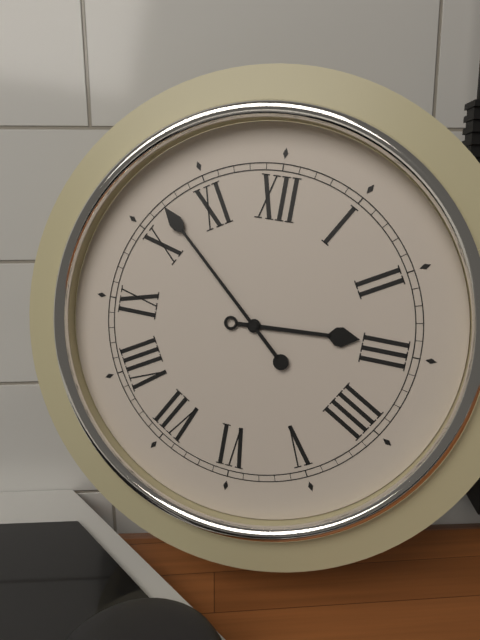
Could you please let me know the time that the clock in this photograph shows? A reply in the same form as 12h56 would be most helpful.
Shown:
2h52
